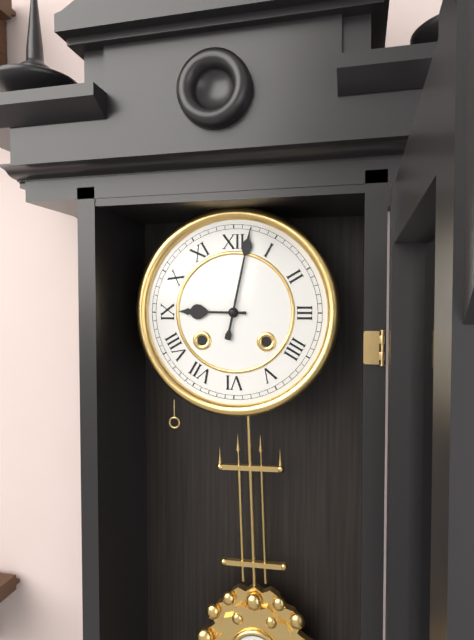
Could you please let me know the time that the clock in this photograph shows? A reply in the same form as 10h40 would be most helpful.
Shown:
9h02
